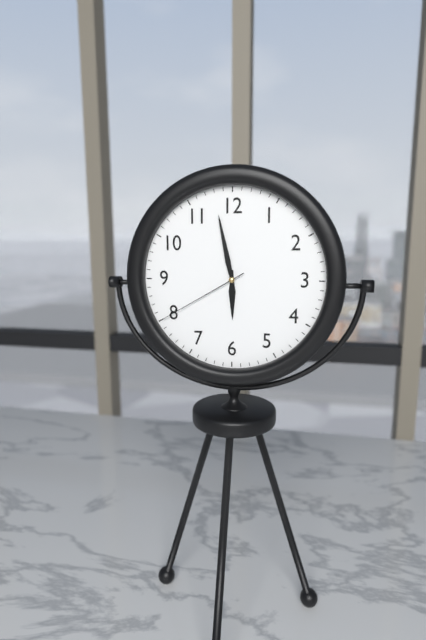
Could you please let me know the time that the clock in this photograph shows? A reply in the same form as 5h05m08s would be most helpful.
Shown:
5h58m40s
